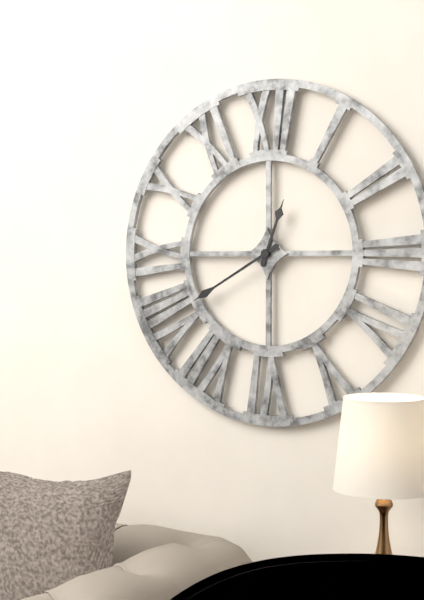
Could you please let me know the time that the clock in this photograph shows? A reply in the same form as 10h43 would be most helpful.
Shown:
12h40
